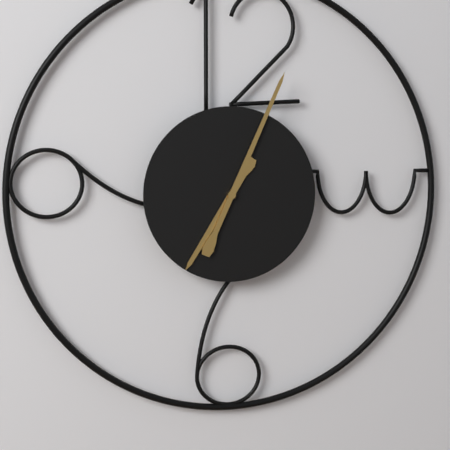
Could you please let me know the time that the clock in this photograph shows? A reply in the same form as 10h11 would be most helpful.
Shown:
7h04
